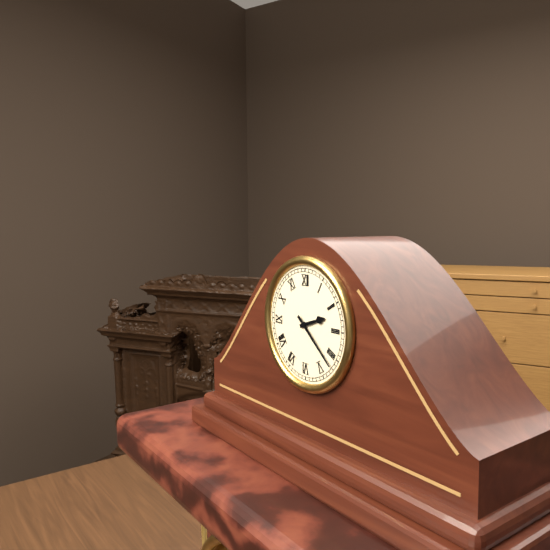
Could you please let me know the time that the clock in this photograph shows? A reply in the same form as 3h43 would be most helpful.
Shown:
2h22
